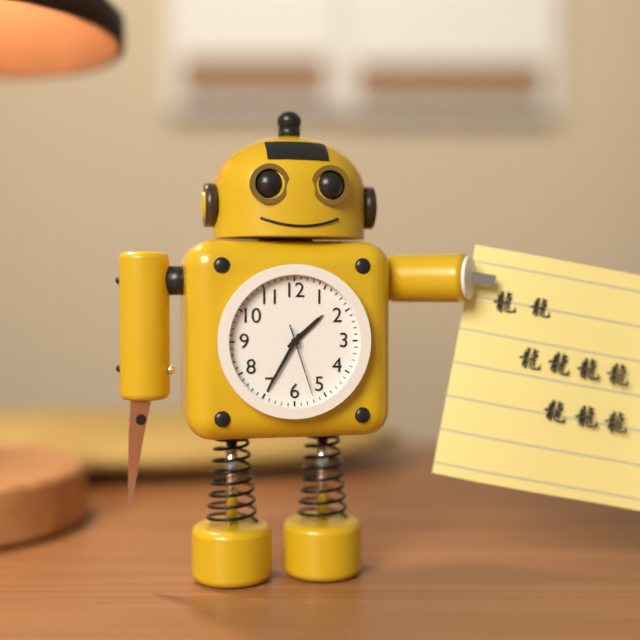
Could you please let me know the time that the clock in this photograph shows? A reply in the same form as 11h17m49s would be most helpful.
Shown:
1h35m27s
